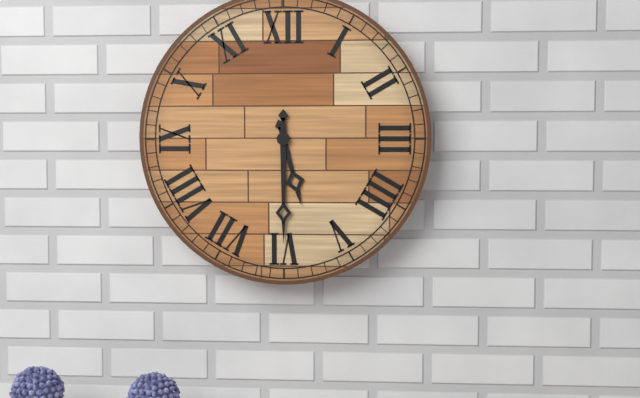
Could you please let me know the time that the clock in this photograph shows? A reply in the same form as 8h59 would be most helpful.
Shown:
5h30
